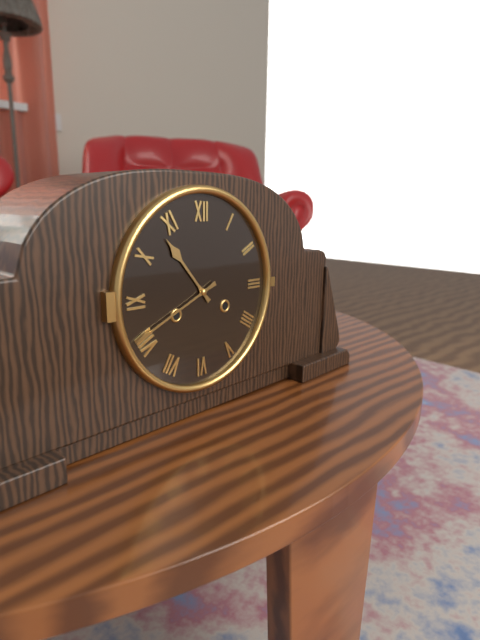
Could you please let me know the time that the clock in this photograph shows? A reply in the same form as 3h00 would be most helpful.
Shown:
10h41
